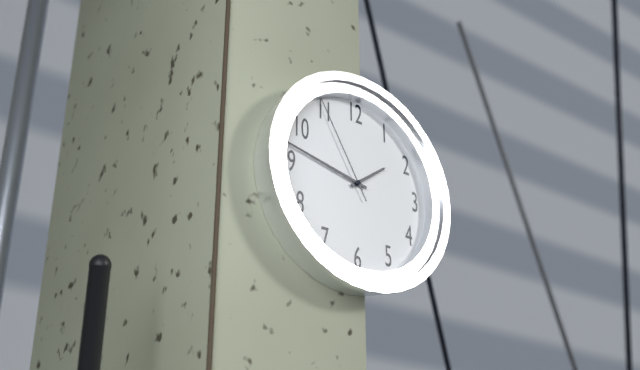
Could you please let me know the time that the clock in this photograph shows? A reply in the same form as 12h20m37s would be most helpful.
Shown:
1h47m55s
